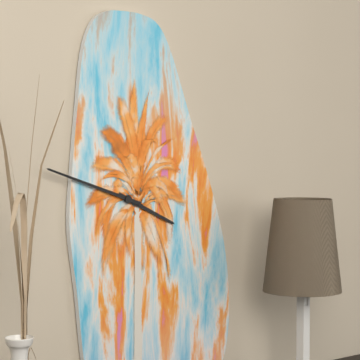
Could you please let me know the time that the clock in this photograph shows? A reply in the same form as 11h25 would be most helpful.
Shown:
3h48
